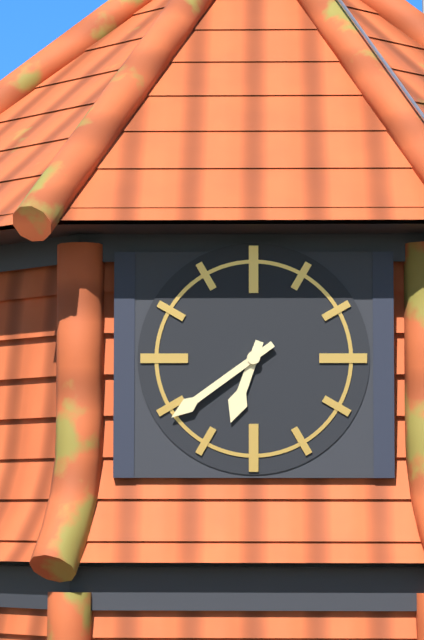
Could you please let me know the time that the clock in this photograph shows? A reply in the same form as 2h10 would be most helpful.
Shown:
6h39
